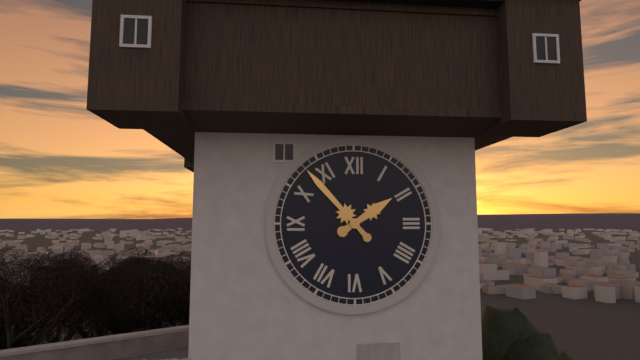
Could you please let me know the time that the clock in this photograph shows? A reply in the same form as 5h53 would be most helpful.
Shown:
1h53
